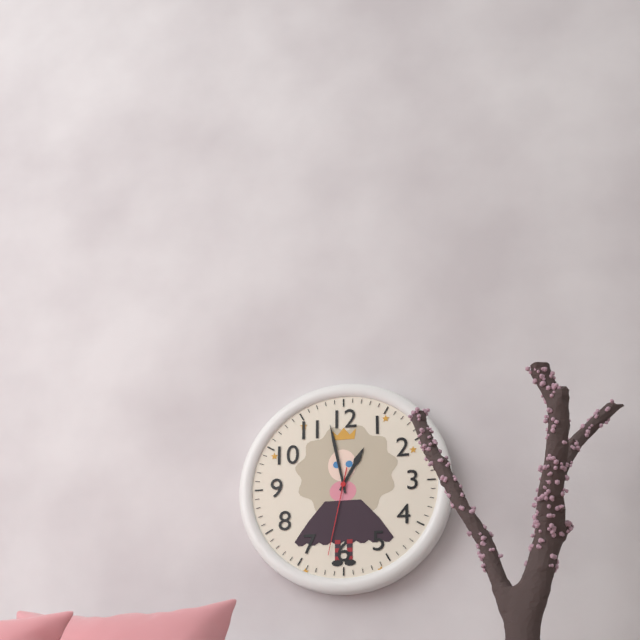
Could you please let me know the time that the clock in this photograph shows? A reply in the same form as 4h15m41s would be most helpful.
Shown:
12h58m32s
